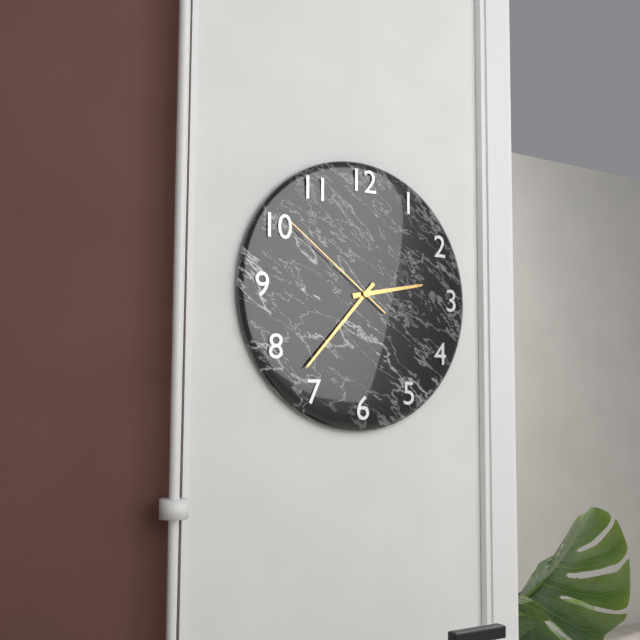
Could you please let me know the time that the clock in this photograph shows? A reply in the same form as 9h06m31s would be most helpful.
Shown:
2h37m51s
